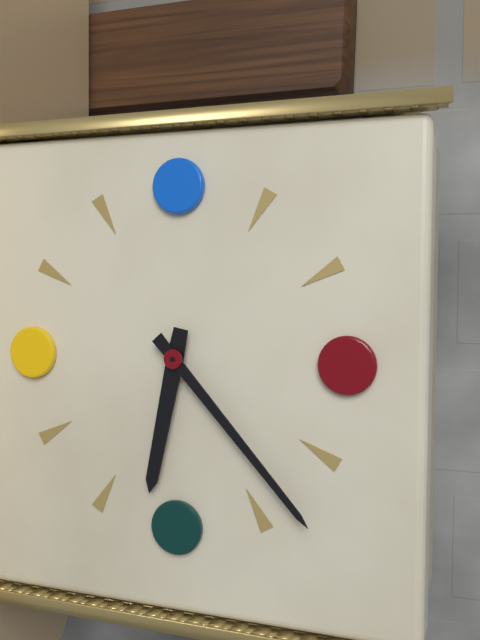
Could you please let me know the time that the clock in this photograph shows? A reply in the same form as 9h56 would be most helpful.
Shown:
6h23
